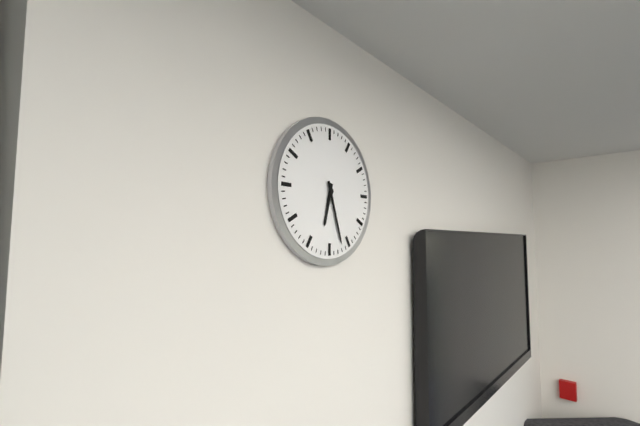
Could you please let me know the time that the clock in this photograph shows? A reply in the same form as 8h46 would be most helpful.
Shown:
6h27
